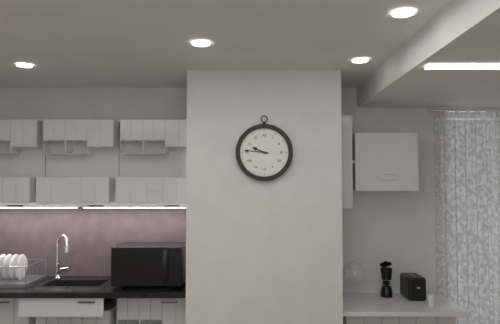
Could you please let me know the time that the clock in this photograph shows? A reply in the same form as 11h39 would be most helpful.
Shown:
9h46
